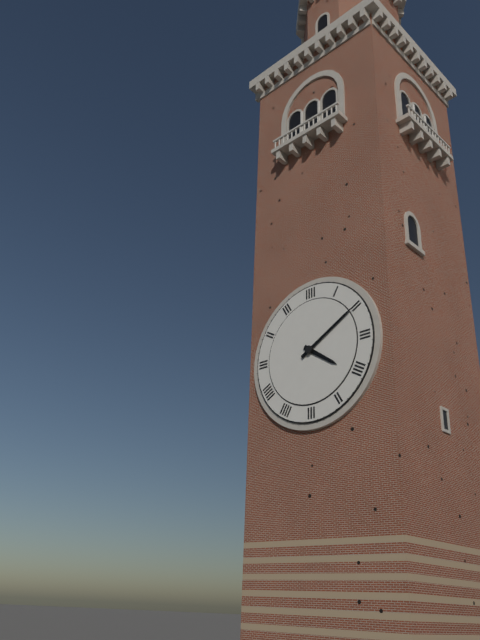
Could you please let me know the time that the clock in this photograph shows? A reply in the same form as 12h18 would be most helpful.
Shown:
4h10
